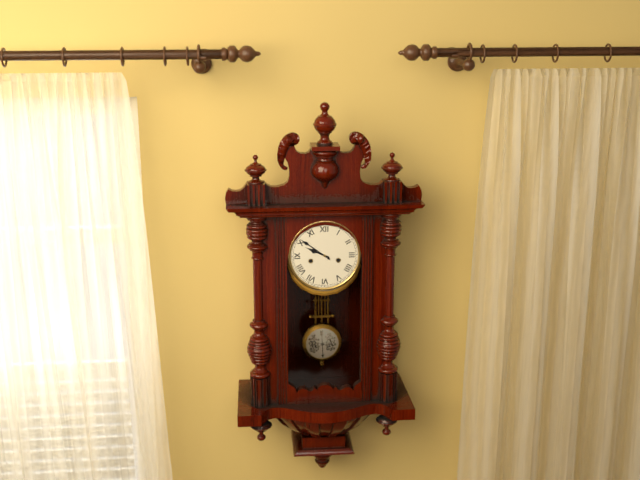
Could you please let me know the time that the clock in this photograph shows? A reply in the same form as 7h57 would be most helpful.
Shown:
9h51
